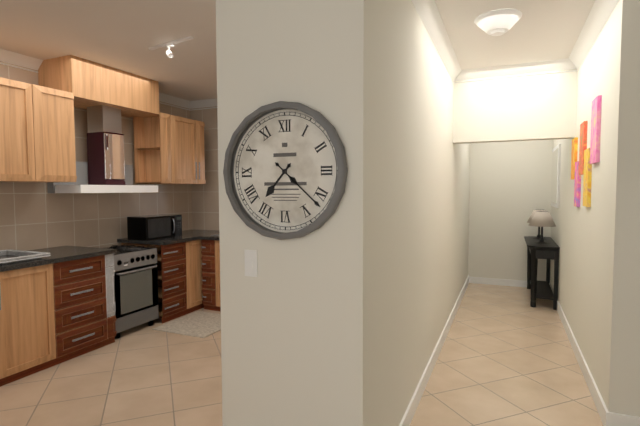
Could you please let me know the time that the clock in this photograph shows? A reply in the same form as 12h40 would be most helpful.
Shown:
7h22
